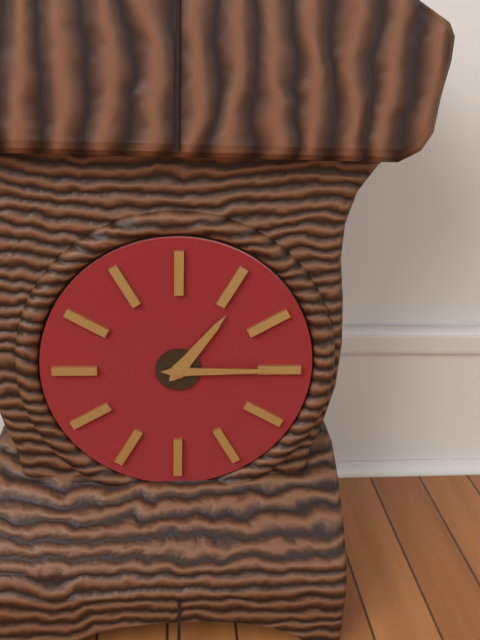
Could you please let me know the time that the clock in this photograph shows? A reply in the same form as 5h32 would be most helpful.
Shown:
1h15
